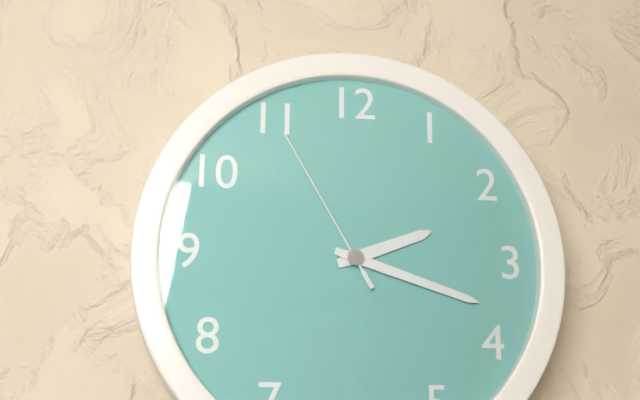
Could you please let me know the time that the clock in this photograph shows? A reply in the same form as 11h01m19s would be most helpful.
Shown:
2h18m55s
